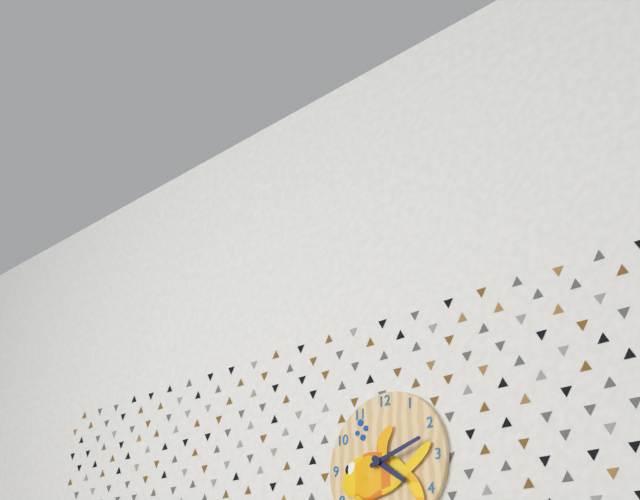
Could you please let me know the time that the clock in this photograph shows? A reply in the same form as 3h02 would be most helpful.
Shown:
4h12
